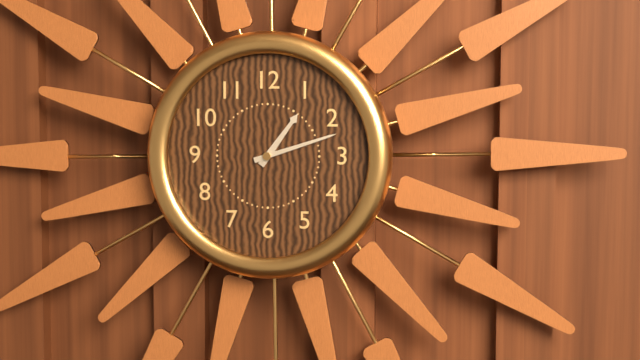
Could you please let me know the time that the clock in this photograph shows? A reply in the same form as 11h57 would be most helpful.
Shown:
1h12
